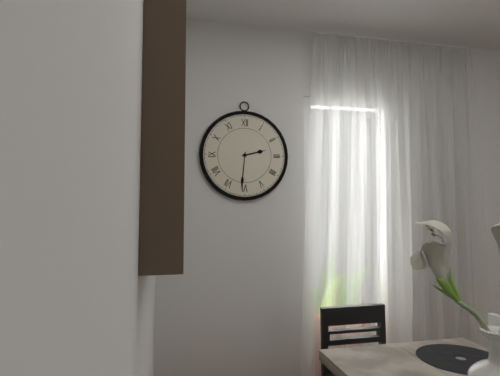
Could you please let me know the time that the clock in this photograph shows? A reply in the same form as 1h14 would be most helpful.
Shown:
2h31
